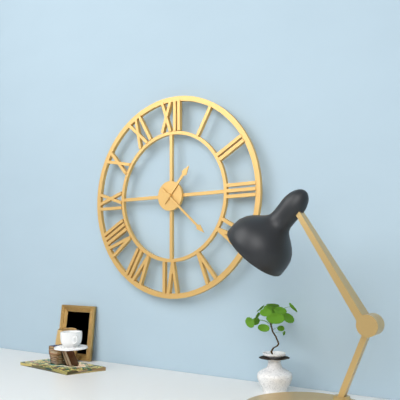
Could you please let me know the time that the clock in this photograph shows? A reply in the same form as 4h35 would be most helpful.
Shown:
1h22
